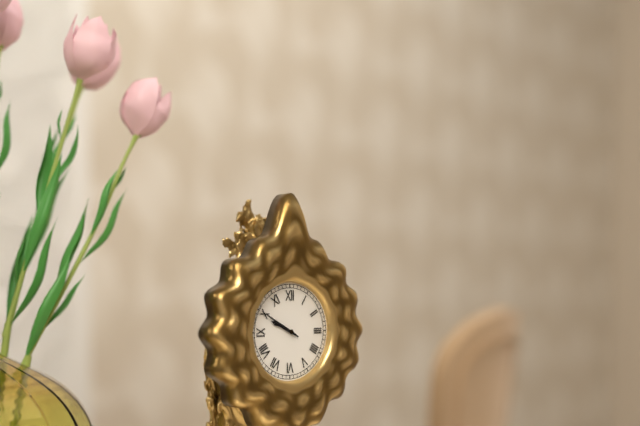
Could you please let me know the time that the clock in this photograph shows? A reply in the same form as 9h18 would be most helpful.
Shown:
9h50
